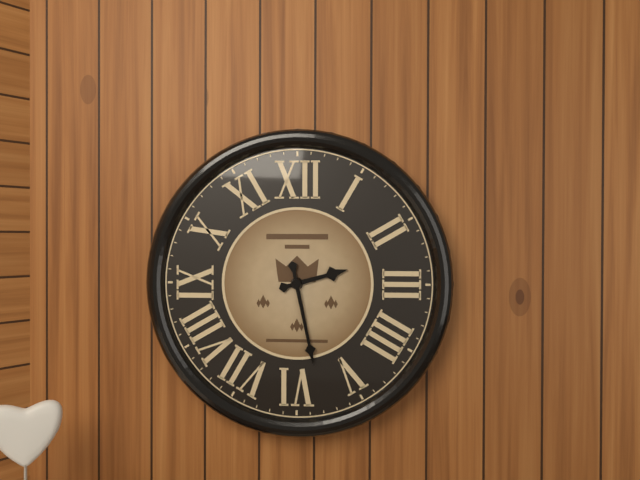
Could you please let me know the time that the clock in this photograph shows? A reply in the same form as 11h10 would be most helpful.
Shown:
2h28
